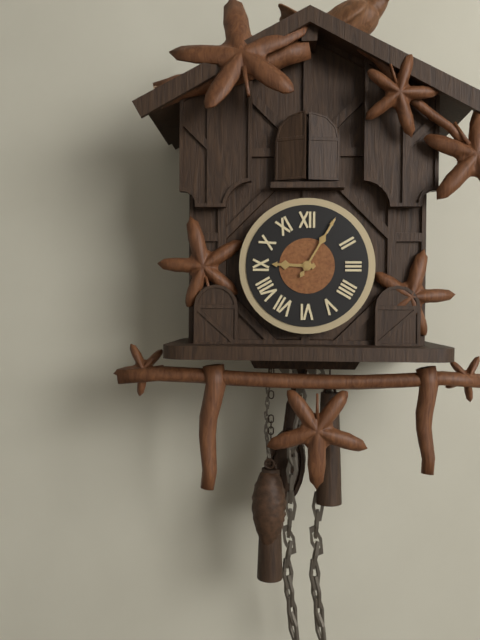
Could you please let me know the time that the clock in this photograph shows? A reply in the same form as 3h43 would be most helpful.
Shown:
9h05
